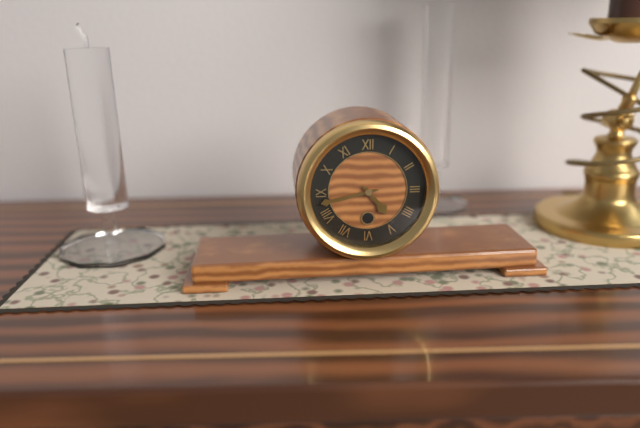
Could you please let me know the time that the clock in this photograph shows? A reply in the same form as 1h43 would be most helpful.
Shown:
4h43
